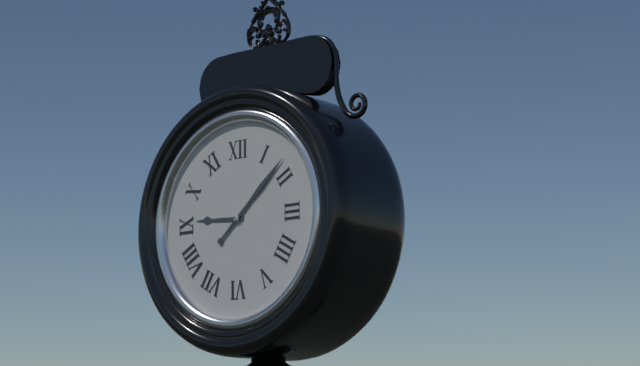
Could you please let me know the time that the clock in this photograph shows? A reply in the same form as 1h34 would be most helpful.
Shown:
9h08
